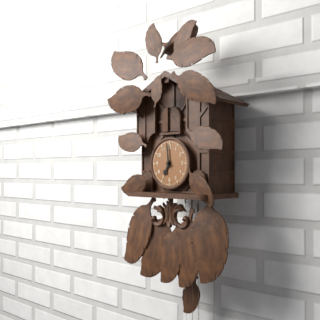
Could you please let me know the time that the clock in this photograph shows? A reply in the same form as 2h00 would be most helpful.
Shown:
6h59
